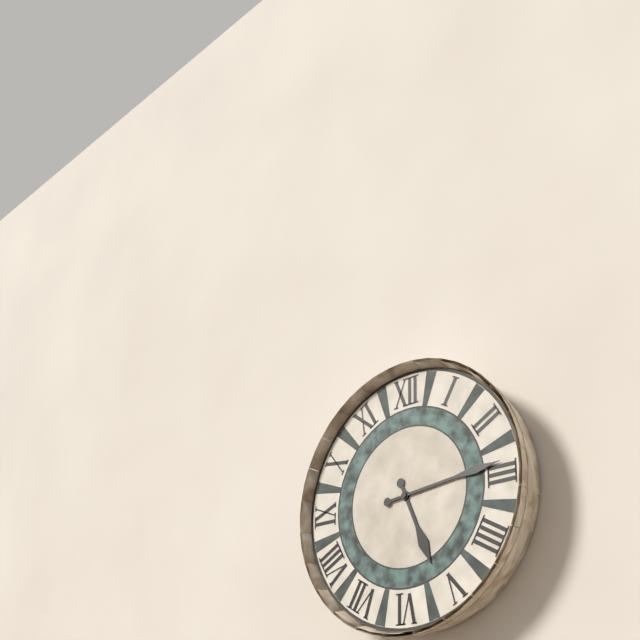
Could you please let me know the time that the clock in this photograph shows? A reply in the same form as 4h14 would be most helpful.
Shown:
5h14
